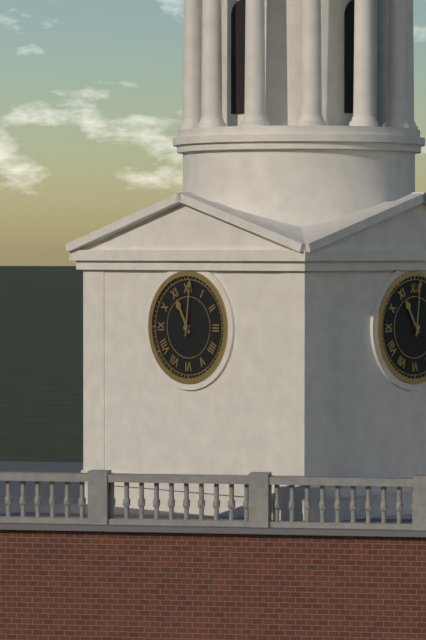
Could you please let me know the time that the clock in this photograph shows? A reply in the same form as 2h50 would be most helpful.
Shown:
11h01
